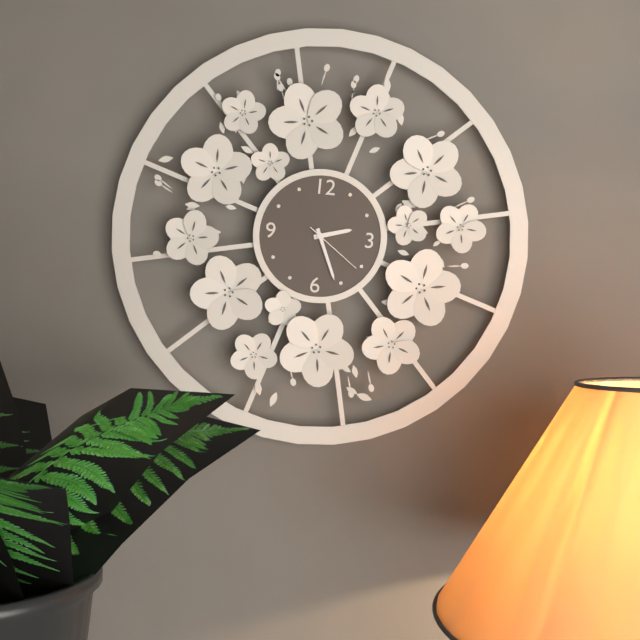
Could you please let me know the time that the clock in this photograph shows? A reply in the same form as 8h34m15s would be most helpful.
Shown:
2h26m21s
